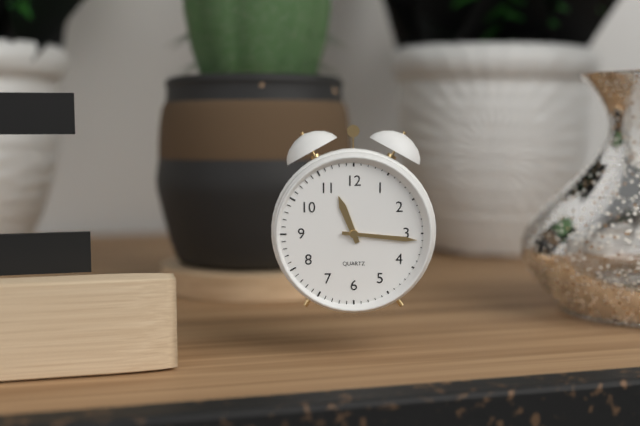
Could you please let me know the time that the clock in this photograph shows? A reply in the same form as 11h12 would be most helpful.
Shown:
11h16
